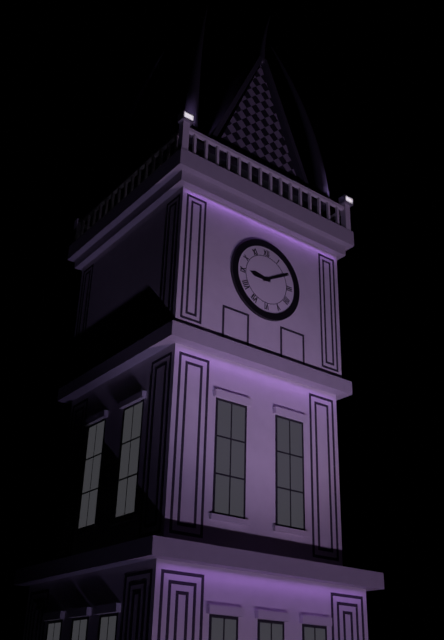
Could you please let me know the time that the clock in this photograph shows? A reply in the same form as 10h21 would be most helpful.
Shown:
9h10
